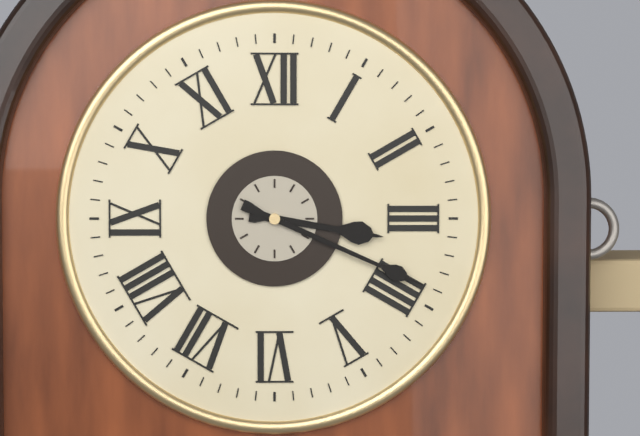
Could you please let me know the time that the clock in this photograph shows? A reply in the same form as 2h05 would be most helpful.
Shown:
3h19
